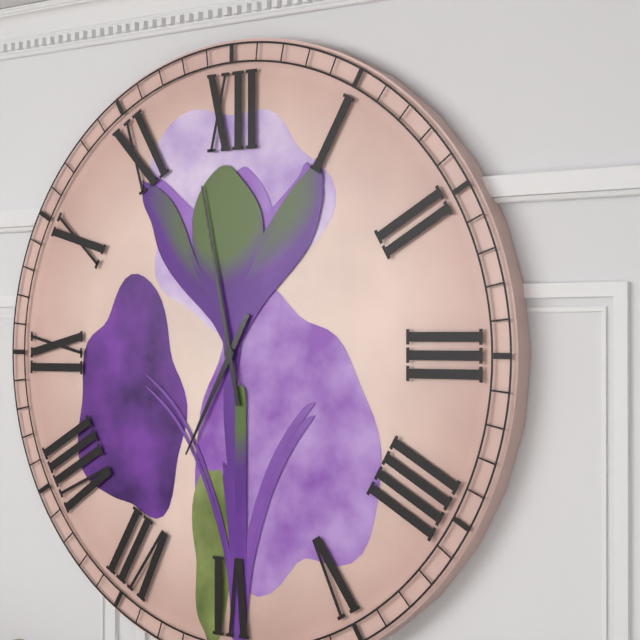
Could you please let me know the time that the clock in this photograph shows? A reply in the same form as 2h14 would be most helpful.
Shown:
6h58
